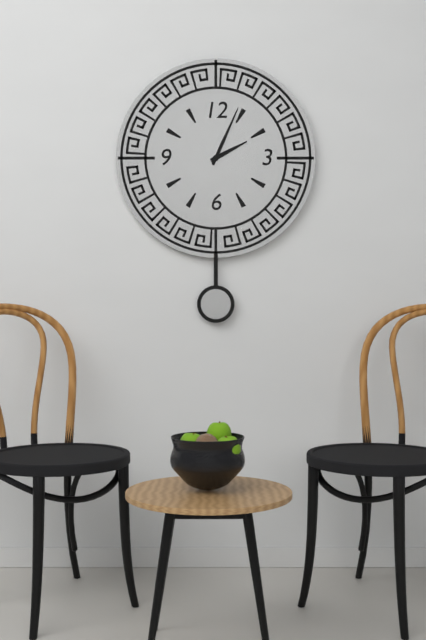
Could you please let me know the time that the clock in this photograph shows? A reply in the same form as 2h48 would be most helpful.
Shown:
2h04
